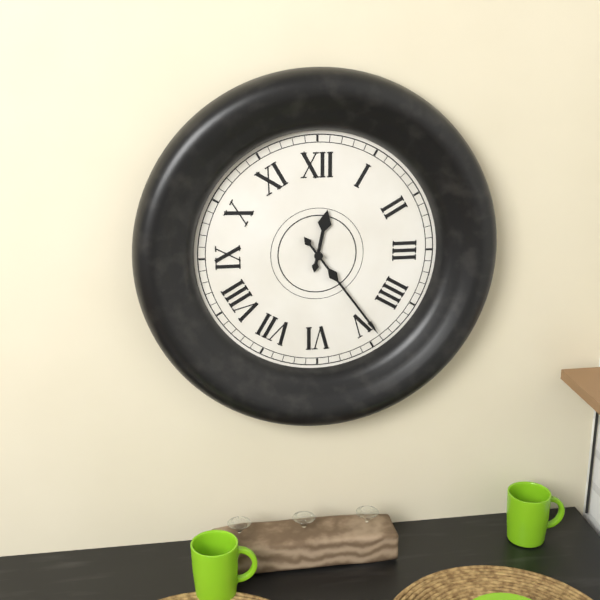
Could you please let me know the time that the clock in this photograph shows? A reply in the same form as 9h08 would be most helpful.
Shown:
12h24
